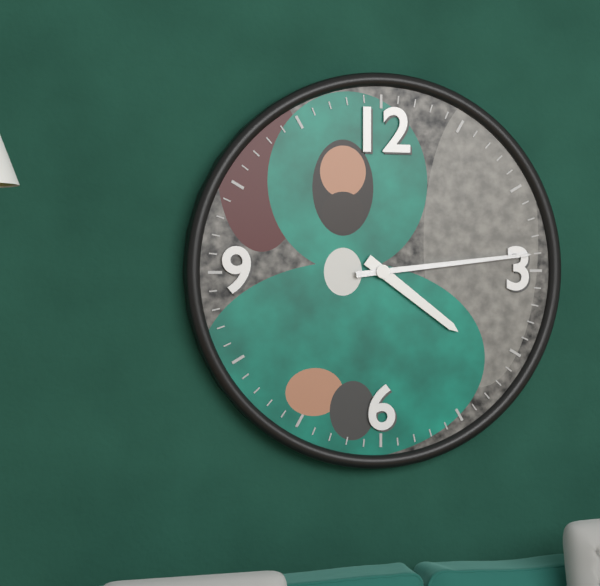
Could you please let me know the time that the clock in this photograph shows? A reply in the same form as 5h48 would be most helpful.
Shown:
4h14
